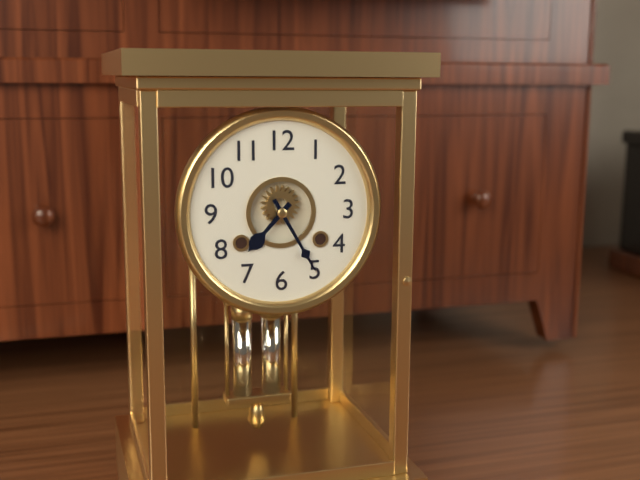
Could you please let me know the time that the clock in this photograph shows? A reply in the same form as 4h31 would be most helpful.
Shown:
7h25
